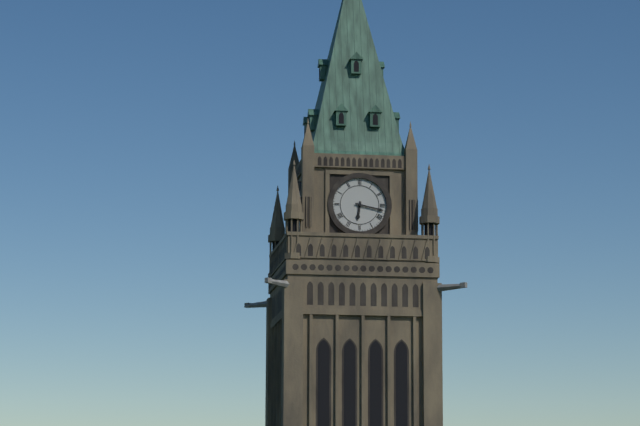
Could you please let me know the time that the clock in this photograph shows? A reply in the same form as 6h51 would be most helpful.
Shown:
6h17
